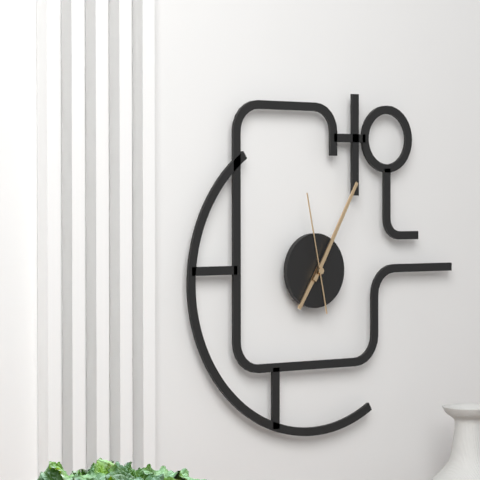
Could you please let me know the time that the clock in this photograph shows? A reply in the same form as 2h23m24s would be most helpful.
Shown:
7h05m58s
